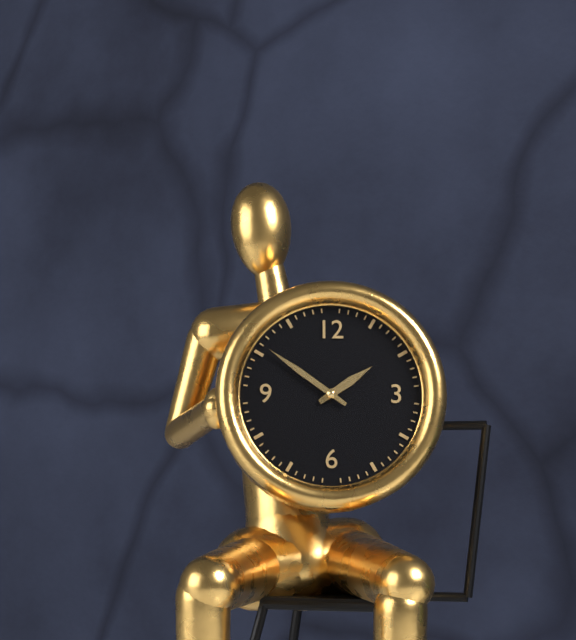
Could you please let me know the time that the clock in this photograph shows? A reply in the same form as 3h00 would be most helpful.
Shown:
1h51
